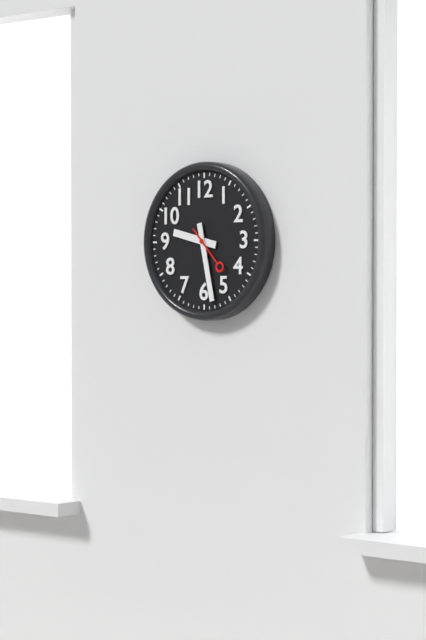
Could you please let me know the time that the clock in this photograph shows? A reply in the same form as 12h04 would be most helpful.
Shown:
9h28
